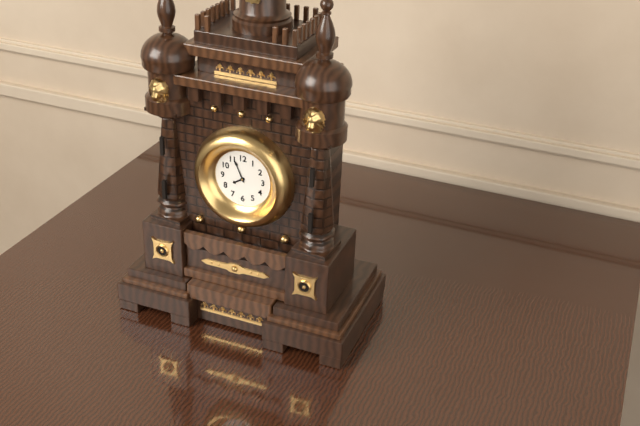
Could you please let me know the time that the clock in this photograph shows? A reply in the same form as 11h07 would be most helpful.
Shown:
7h56
